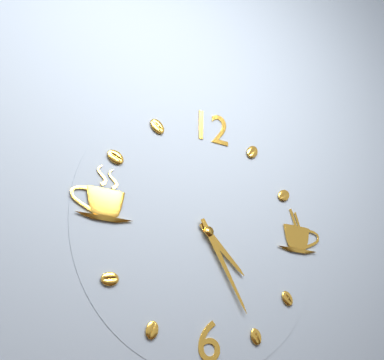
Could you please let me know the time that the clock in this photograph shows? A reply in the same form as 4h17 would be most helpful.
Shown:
4h25
